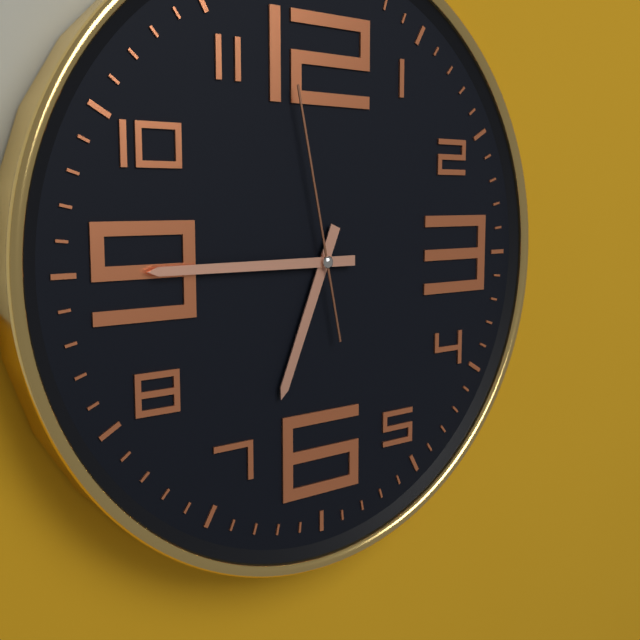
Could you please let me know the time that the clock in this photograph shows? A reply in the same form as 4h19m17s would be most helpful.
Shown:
6h45m58s
